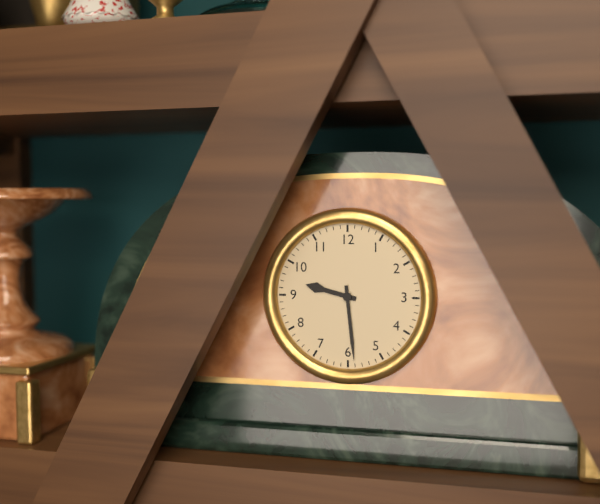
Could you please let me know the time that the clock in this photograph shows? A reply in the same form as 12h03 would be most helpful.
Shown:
9h29
